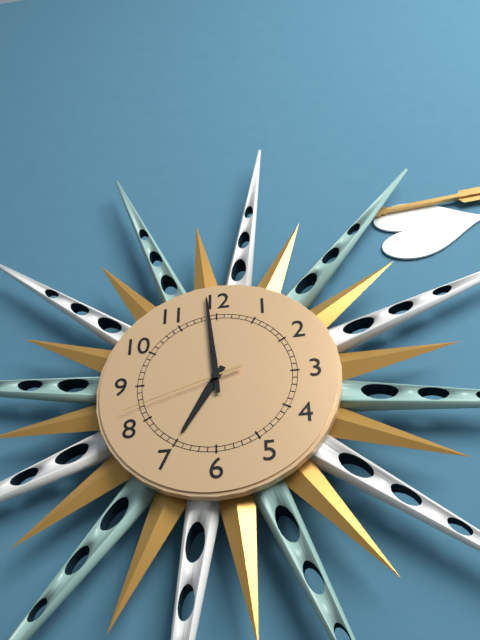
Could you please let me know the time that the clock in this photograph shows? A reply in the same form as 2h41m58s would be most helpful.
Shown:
6h59m42s
